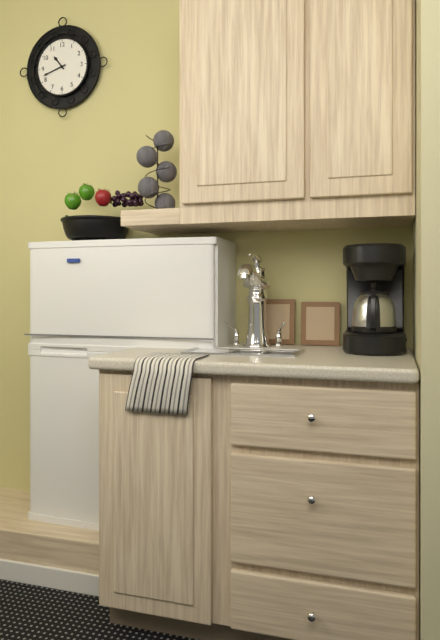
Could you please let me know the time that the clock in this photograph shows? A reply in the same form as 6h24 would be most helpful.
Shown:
10h42
